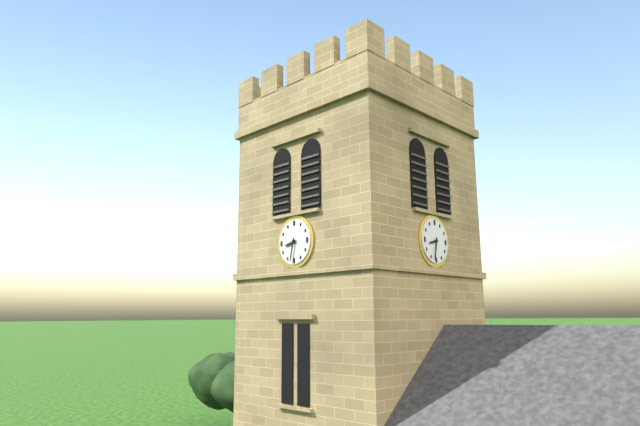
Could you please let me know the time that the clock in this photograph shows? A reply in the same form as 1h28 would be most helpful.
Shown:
8h32
